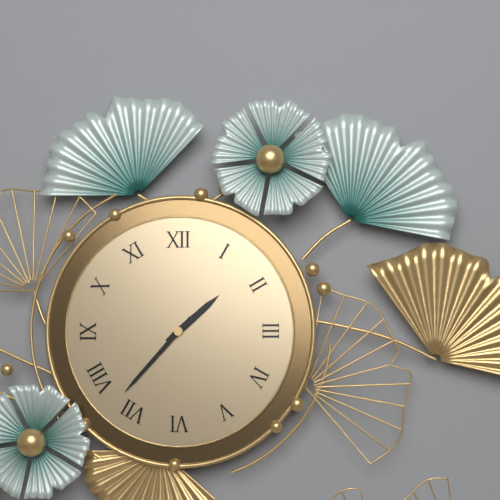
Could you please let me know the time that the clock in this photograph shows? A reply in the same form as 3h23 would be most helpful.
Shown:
1h37
